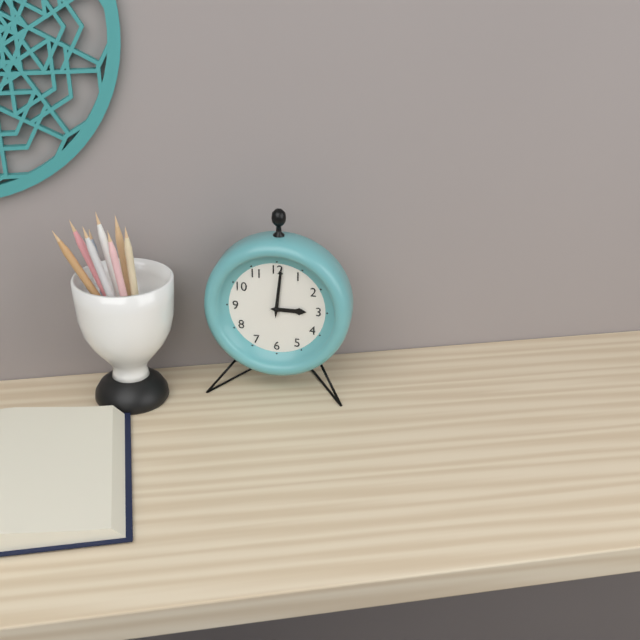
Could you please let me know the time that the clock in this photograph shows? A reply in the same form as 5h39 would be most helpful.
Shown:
3h01
